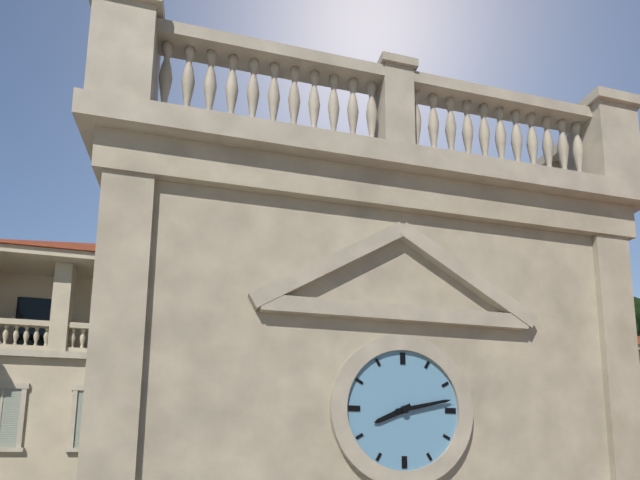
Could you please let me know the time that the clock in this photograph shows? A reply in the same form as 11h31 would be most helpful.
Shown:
8h13
